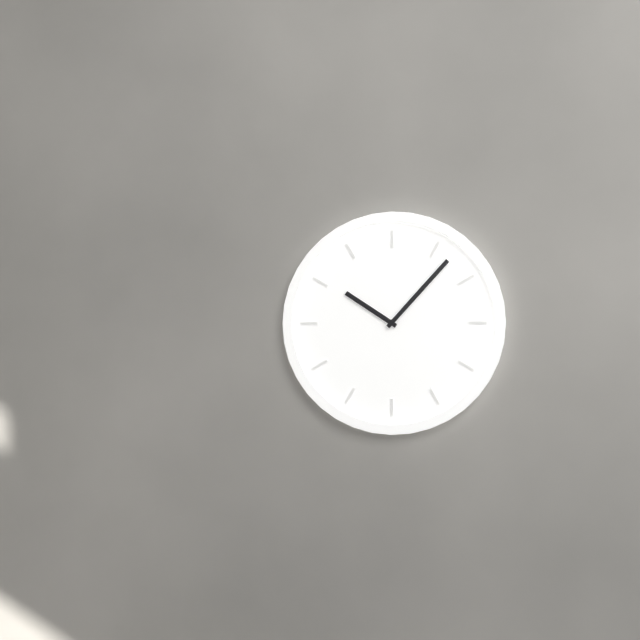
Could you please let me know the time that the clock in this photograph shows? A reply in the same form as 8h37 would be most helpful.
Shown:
10h07
